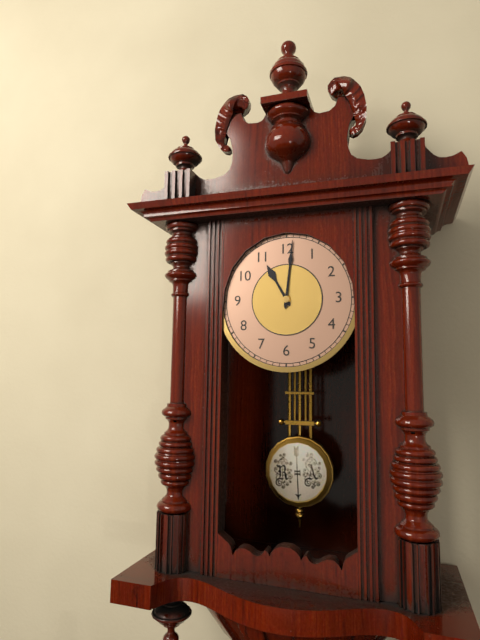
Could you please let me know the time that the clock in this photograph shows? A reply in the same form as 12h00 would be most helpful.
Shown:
11h01
